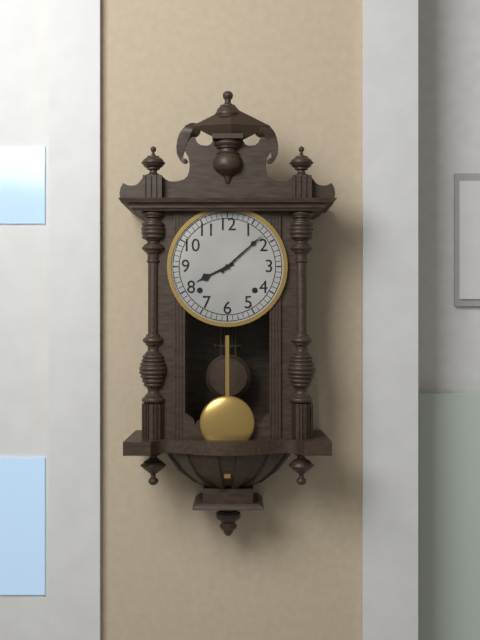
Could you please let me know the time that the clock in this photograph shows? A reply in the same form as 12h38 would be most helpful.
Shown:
8h08
